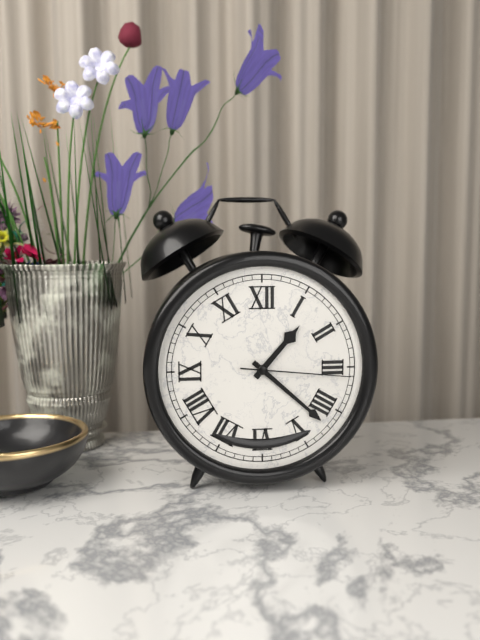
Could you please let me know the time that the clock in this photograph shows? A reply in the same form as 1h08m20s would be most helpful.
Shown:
1h22m16s
